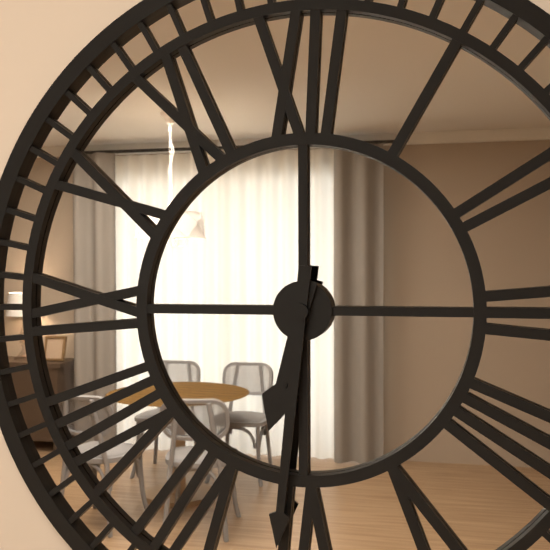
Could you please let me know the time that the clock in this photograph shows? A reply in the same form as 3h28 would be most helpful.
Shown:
6h31
